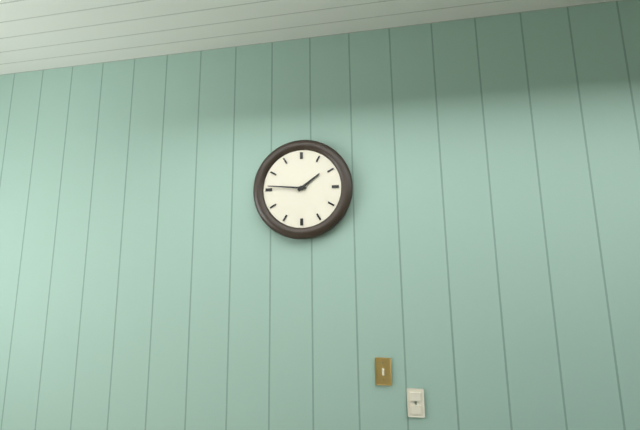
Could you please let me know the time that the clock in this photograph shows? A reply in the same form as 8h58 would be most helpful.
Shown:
1h46
